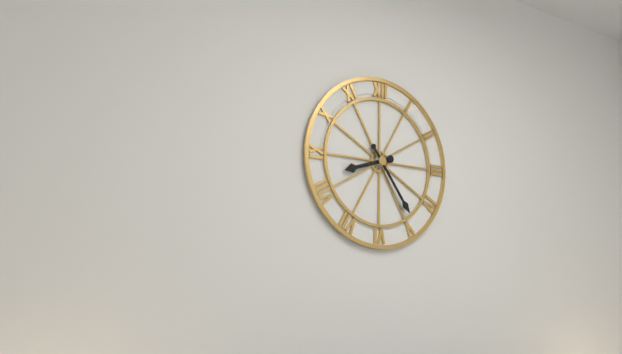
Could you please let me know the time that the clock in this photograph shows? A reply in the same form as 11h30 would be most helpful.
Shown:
8h24
